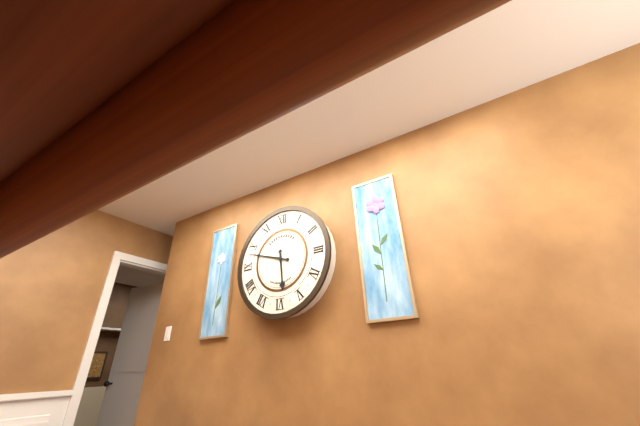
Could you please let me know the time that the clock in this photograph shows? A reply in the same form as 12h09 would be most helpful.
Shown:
5h48
